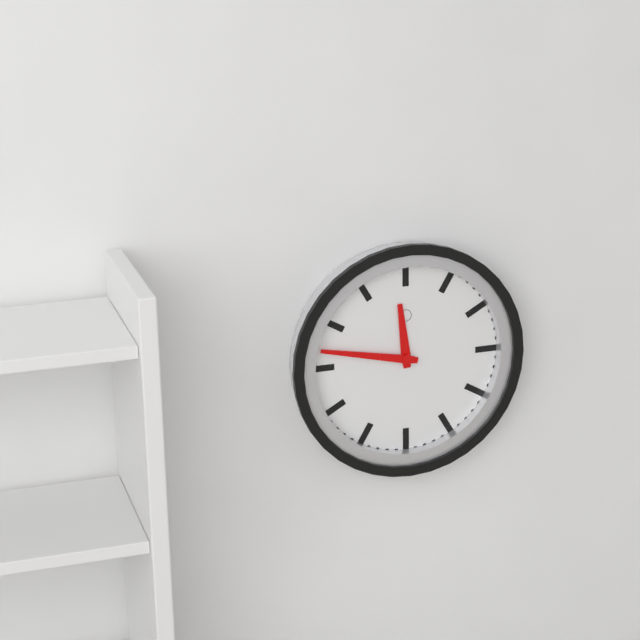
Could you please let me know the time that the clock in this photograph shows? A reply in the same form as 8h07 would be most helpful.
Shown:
11h47
